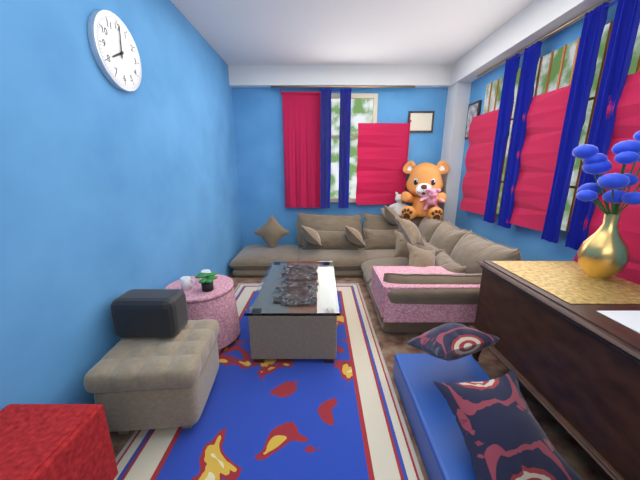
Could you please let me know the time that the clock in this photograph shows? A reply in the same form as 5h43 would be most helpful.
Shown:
8h01
